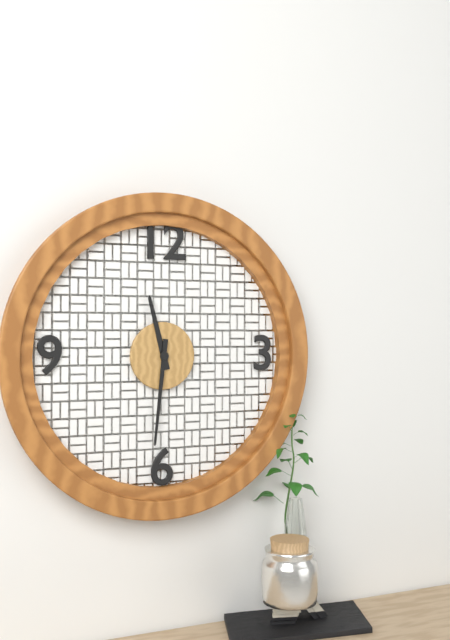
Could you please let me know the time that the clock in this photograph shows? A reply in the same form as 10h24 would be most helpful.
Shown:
11h31
